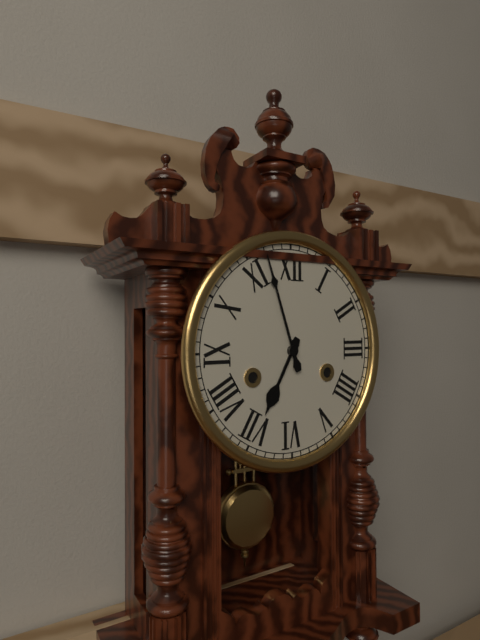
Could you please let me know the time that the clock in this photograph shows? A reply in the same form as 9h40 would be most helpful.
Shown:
6h57
